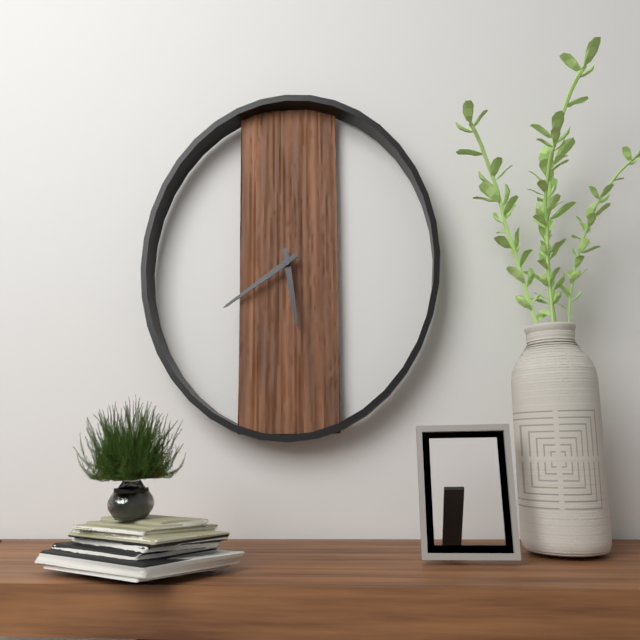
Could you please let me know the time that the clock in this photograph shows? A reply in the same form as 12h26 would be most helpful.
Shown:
5h40
